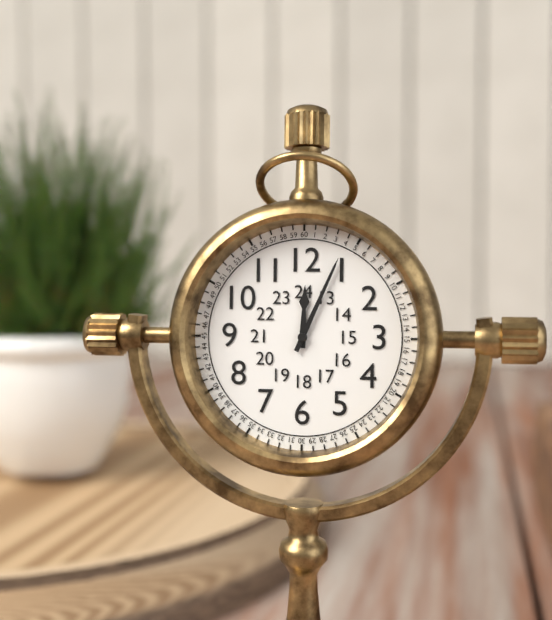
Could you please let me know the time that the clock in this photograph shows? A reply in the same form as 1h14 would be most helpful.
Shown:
12h04
